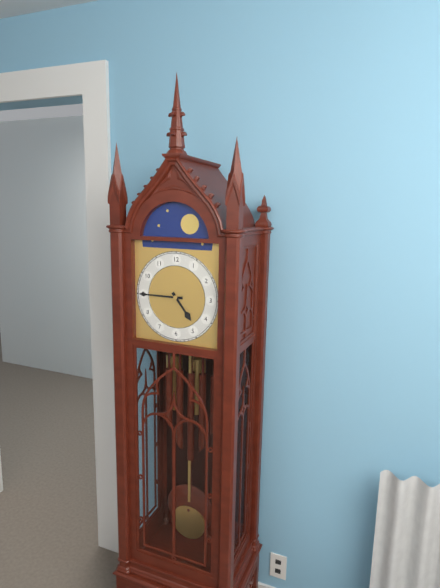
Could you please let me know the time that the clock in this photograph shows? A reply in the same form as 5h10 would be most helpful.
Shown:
4h45
